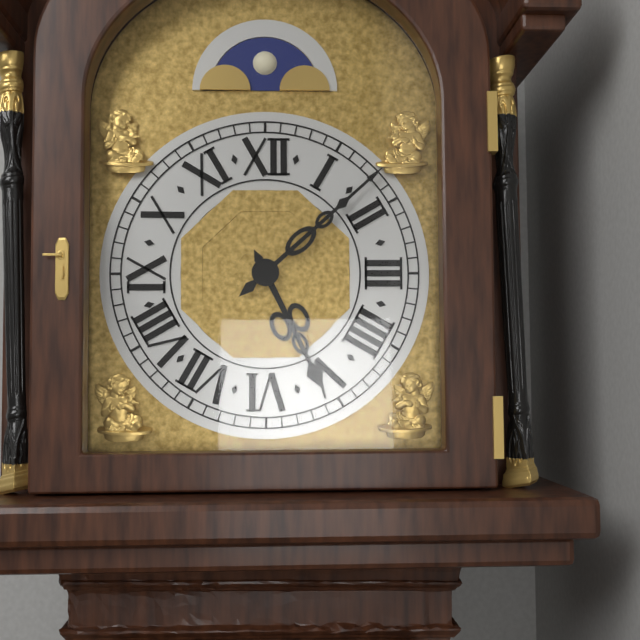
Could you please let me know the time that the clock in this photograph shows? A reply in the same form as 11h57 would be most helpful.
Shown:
5h08
